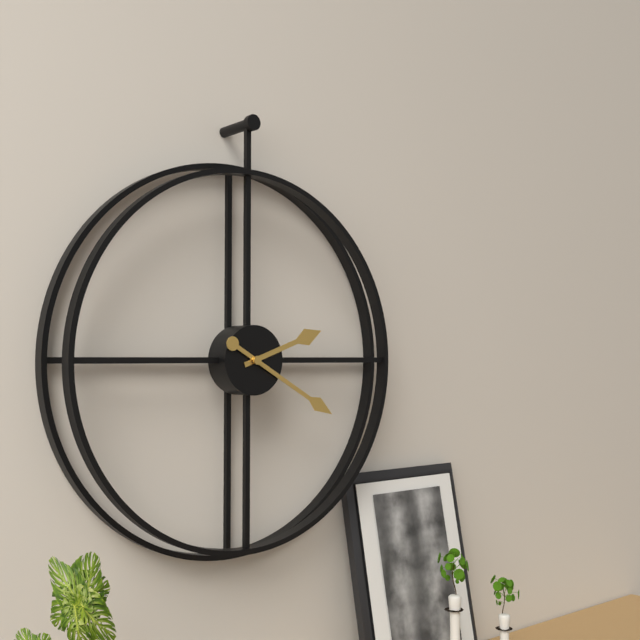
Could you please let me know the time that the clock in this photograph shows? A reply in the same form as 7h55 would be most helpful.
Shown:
2h20
